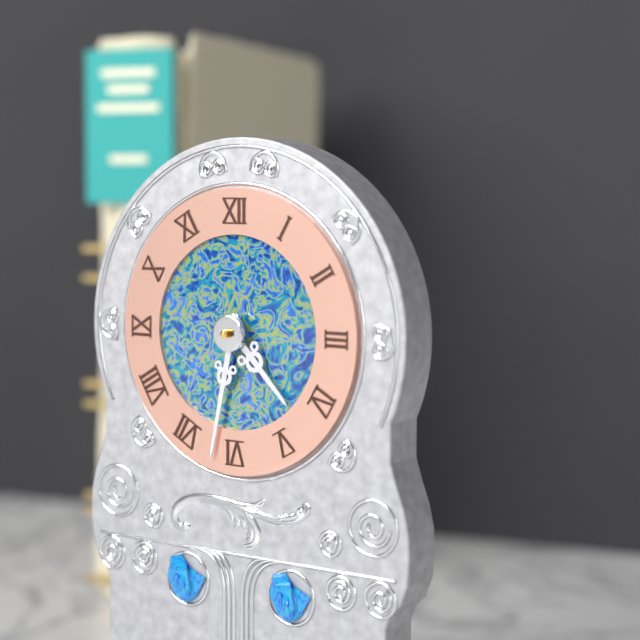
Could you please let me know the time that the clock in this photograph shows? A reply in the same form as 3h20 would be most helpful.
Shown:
4h32
